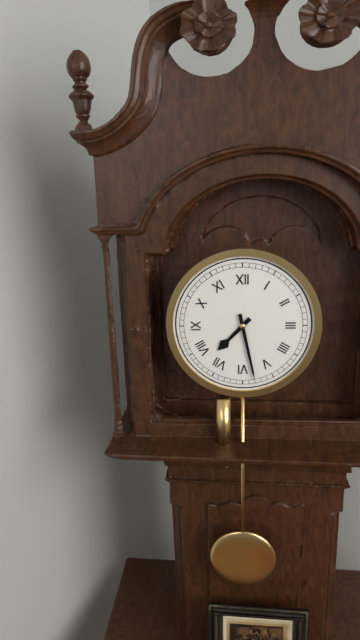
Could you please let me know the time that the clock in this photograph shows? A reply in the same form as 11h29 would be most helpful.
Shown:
7h28
